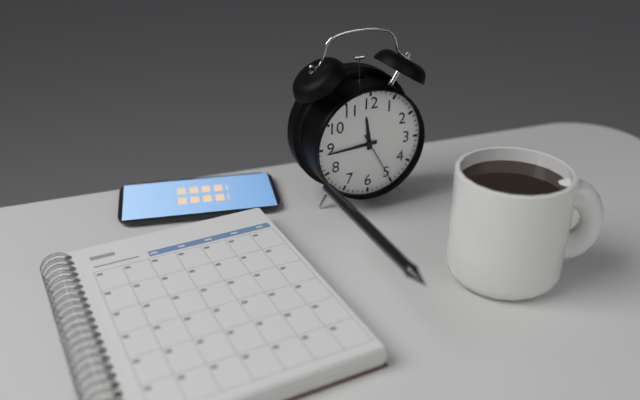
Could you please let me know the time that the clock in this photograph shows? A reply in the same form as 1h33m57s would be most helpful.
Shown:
11h44m25s
